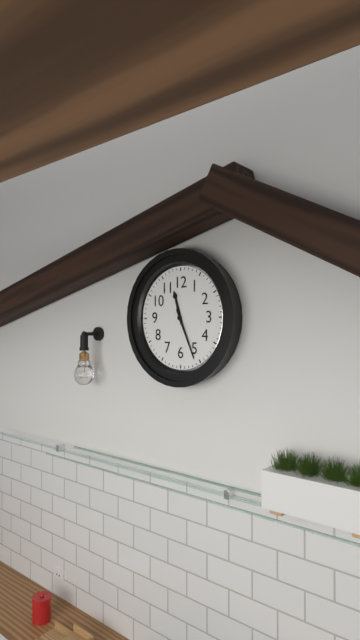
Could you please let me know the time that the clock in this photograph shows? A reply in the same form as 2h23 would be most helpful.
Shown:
11h26
